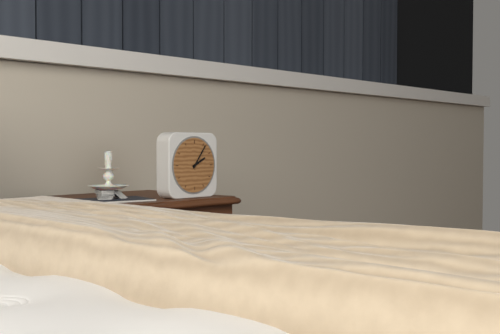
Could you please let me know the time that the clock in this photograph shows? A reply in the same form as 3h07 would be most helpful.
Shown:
2h06
